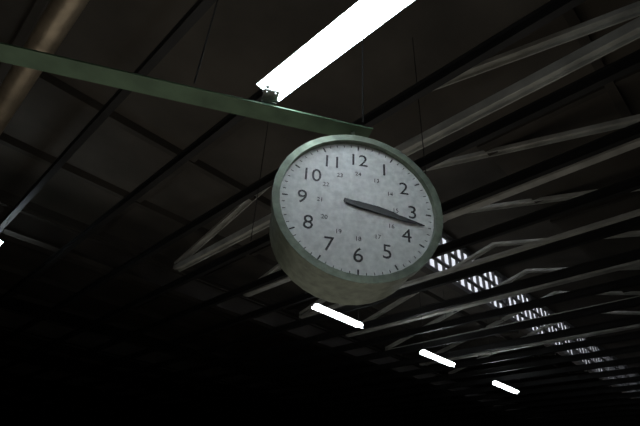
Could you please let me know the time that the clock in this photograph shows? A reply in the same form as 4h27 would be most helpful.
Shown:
3h17
